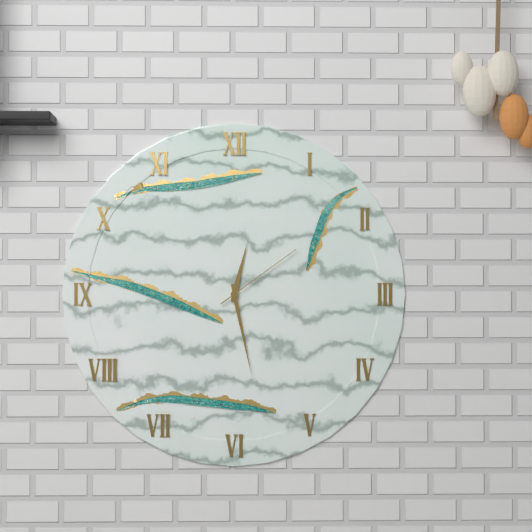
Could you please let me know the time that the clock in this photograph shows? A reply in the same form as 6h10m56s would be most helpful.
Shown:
12h28m09s
